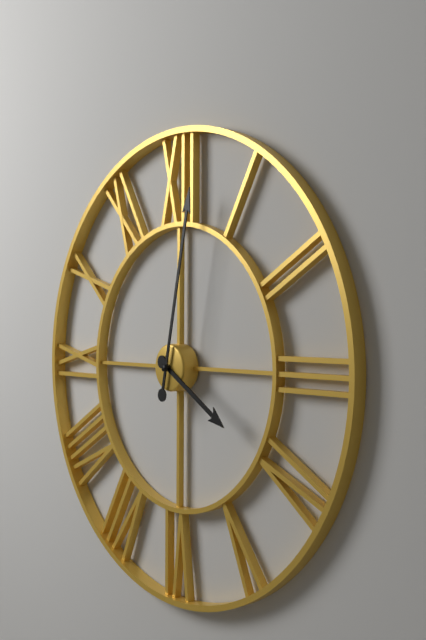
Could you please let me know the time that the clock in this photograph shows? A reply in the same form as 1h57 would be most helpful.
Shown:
4h02
